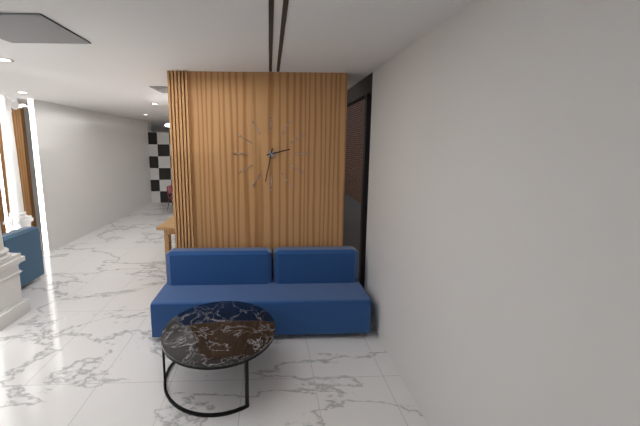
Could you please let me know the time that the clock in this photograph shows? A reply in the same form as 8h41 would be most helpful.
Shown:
2h32
